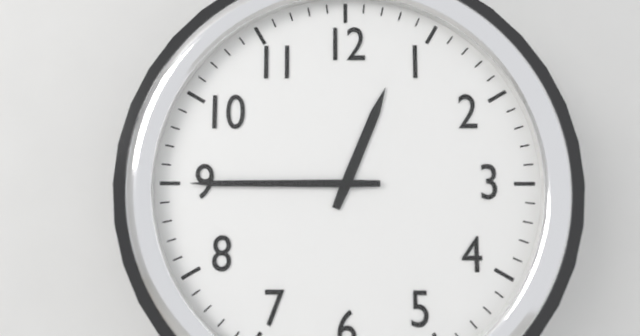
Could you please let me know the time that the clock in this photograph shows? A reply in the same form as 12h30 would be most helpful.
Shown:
12h45
